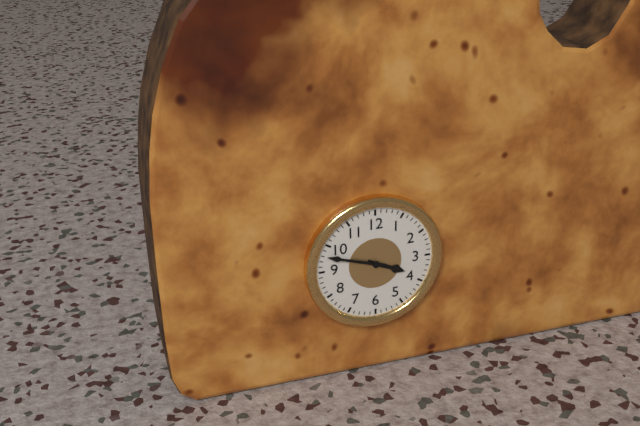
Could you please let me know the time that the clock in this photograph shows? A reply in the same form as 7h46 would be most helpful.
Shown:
3h48
